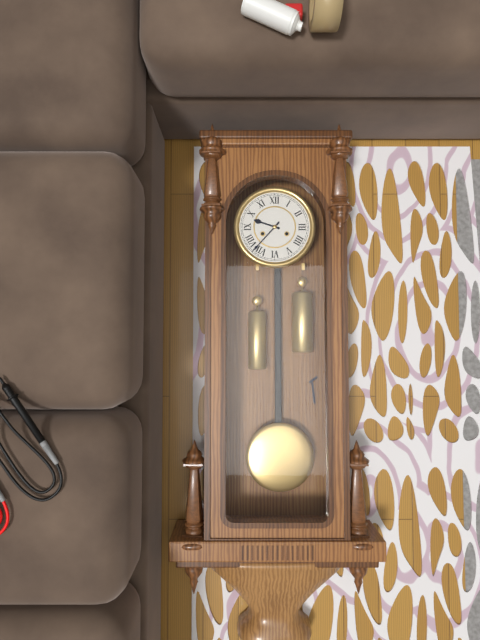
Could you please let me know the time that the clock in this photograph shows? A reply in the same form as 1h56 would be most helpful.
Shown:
9h37
